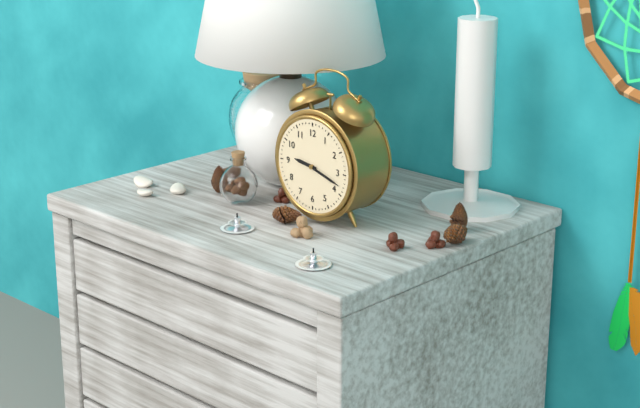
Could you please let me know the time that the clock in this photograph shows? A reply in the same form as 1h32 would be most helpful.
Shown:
9h18
